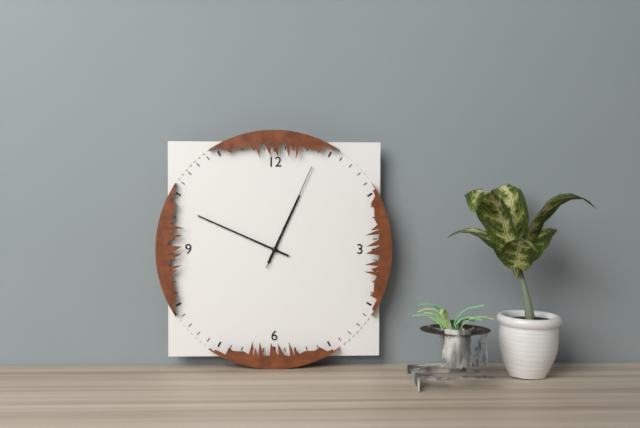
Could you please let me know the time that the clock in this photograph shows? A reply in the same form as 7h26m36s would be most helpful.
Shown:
12h49m04s
